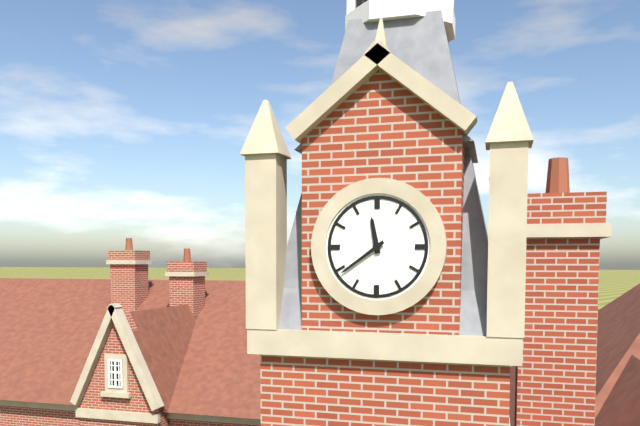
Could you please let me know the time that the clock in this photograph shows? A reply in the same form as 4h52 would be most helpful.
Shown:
11h39
